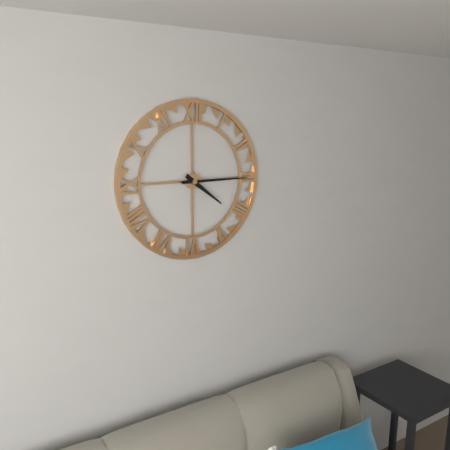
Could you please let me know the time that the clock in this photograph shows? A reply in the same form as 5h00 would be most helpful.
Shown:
4h15
